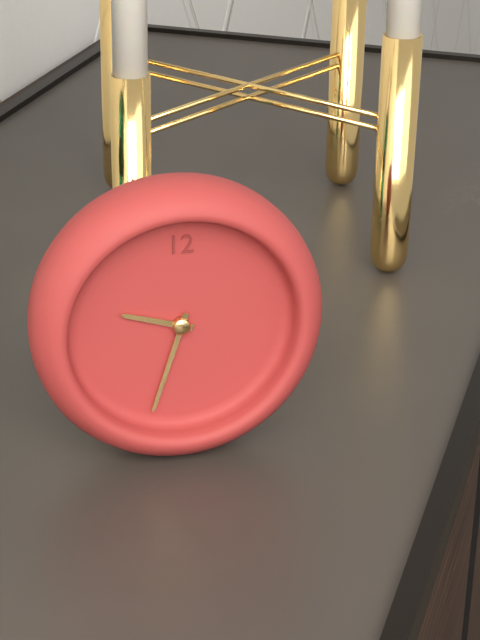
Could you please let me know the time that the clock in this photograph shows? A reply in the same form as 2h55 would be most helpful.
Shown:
9h33
